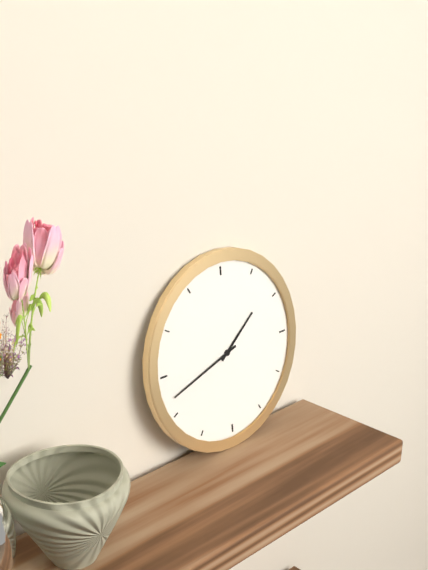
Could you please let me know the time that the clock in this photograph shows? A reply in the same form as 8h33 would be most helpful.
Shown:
1h42
